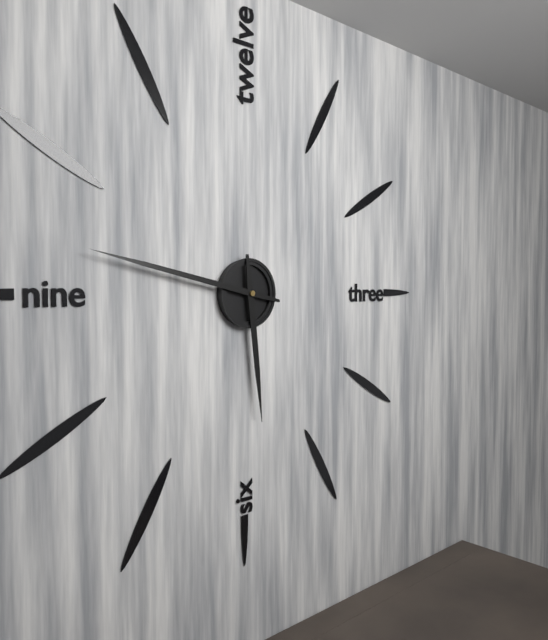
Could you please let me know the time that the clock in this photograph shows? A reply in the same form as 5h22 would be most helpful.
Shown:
5h47
